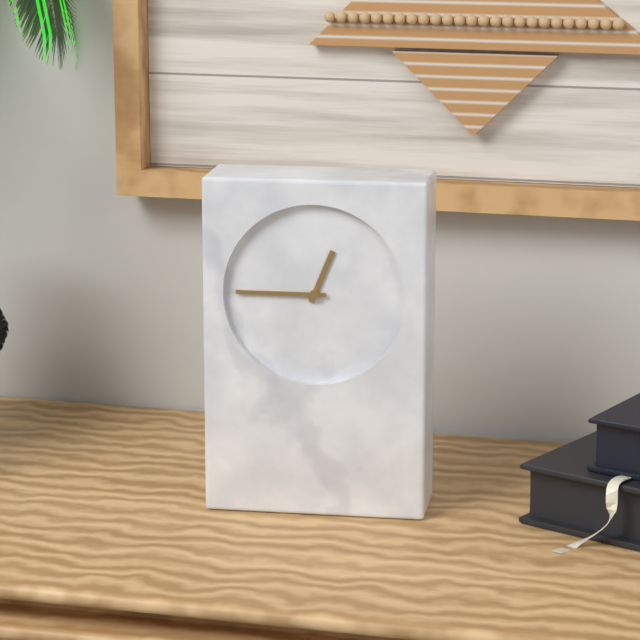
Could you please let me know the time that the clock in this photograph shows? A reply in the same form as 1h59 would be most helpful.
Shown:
12h45
